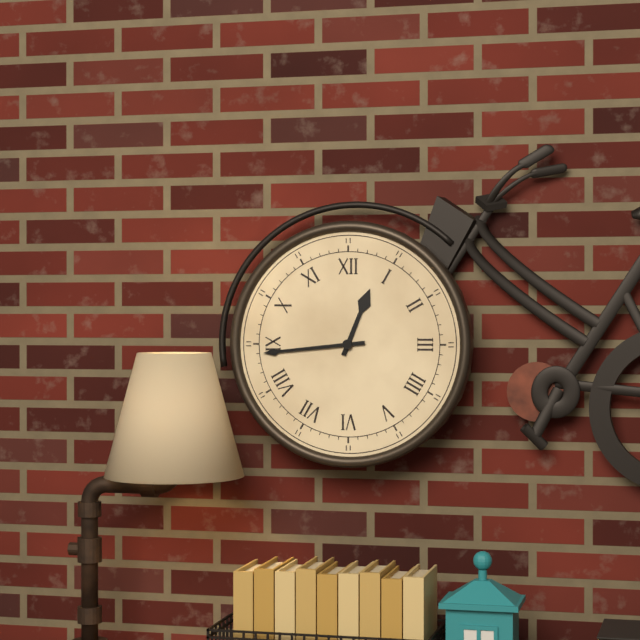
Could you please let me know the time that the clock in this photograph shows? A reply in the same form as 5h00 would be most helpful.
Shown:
12h44
